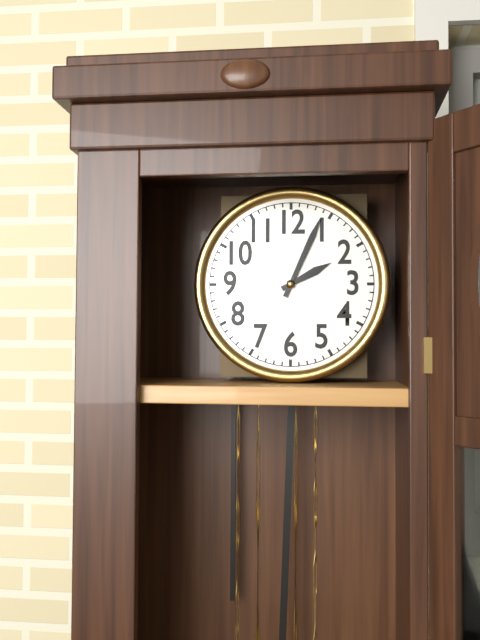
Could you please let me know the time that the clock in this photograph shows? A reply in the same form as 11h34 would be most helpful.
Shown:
2h04
